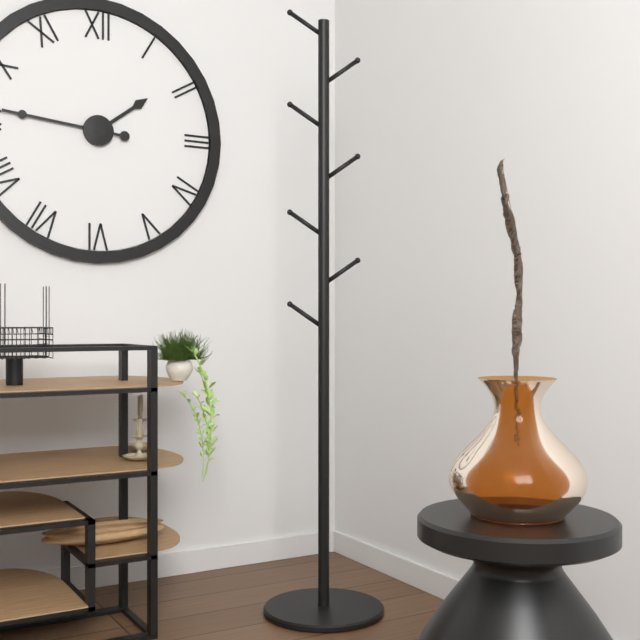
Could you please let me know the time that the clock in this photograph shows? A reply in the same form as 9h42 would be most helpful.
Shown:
1h46
